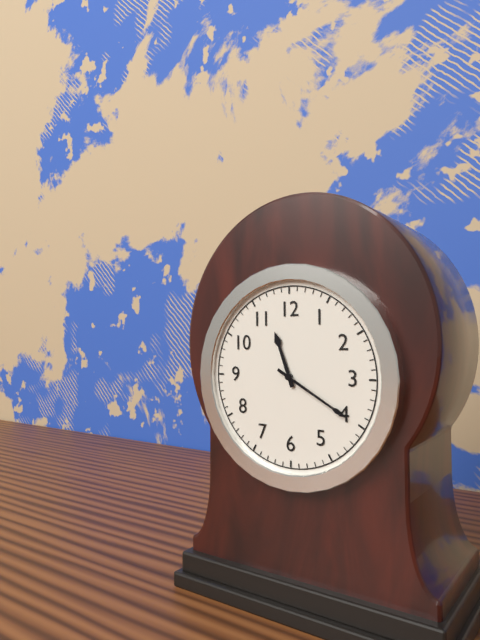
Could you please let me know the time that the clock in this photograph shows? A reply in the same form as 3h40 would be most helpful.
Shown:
11h20
